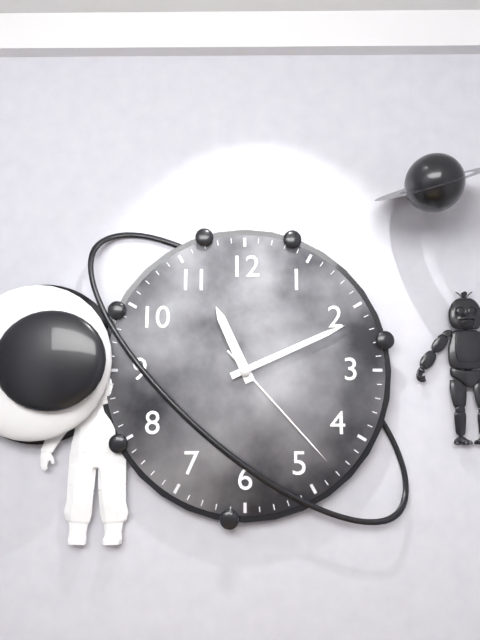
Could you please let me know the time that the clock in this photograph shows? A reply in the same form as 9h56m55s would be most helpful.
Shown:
11h11m23s
